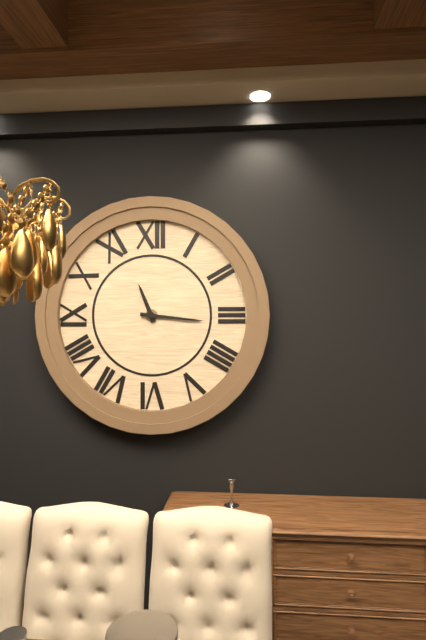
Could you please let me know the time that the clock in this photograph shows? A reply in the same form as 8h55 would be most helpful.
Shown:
11h16
